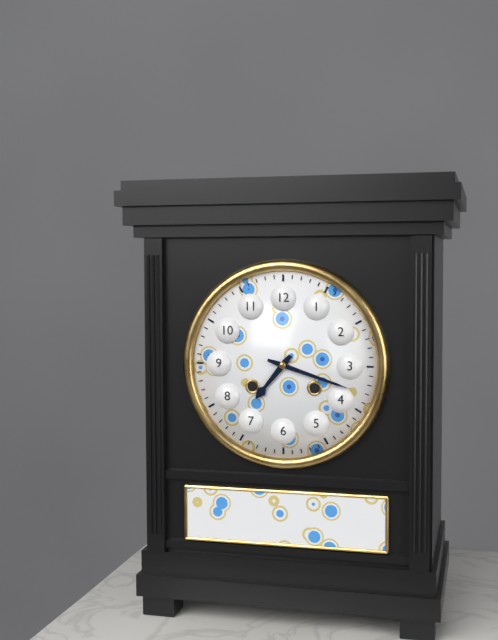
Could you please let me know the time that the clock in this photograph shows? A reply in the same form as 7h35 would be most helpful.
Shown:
7h18
